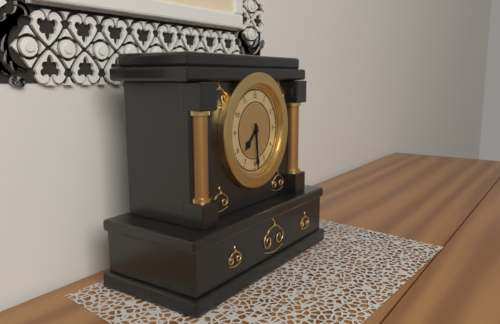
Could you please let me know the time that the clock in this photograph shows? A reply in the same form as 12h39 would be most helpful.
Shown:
7h29
